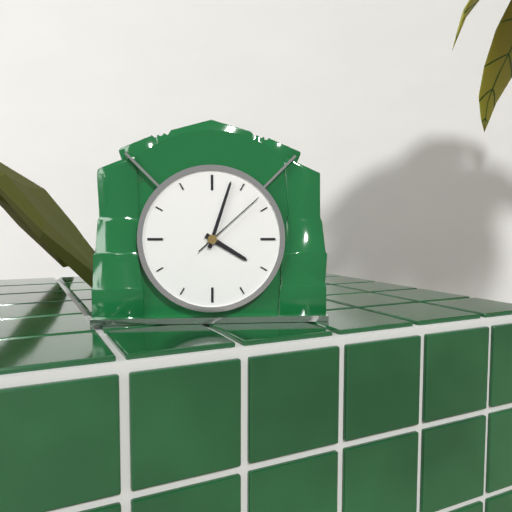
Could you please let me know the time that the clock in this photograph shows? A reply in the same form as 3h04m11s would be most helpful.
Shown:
4h03m08s
